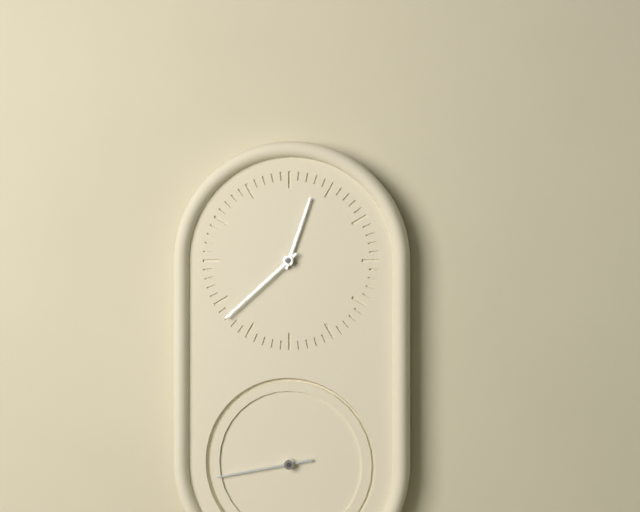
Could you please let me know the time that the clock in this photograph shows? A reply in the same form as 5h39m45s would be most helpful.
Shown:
12h38m43s
